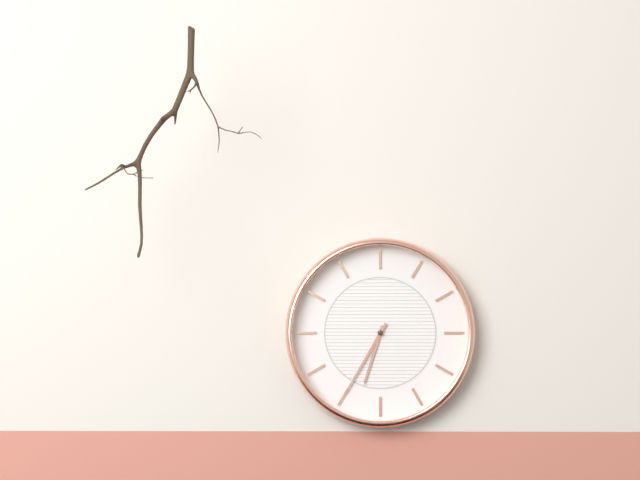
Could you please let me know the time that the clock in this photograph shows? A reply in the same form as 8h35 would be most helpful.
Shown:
6h35
